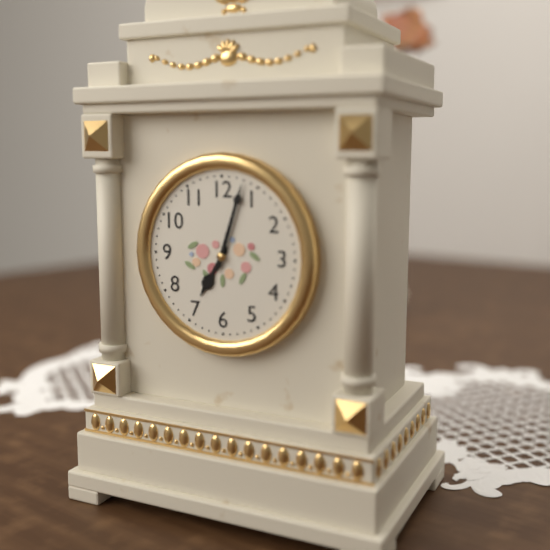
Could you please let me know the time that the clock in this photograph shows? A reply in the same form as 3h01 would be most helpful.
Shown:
7h03
